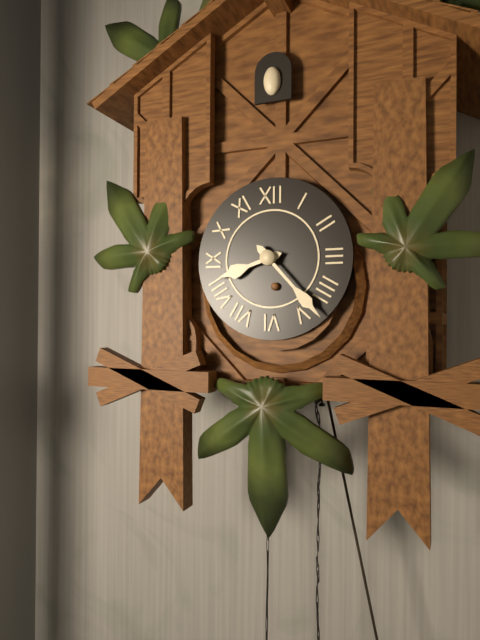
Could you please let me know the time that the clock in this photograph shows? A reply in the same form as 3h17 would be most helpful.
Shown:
8h23
